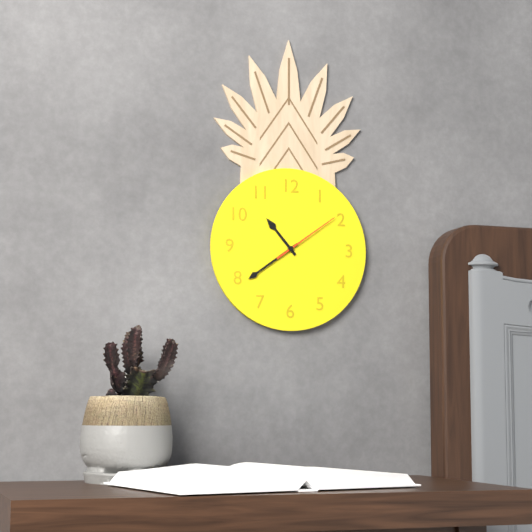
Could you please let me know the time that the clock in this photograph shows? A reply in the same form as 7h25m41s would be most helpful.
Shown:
10h39m09s
